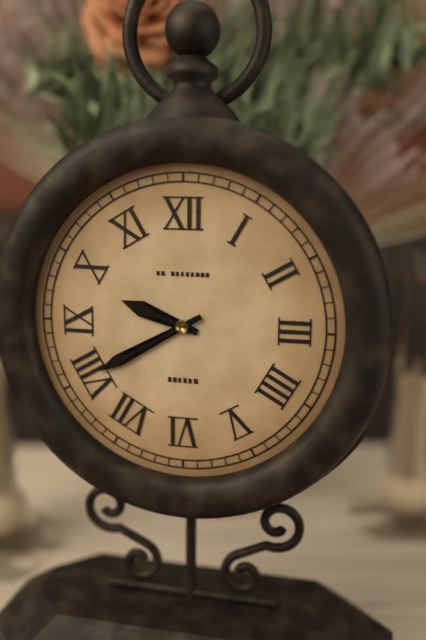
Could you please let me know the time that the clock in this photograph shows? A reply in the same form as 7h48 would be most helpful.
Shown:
9h40
